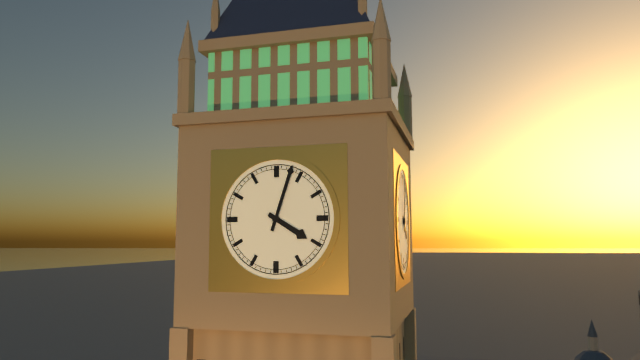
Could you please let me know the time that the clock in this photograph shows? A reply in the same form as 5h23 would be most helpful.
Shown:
4h03
